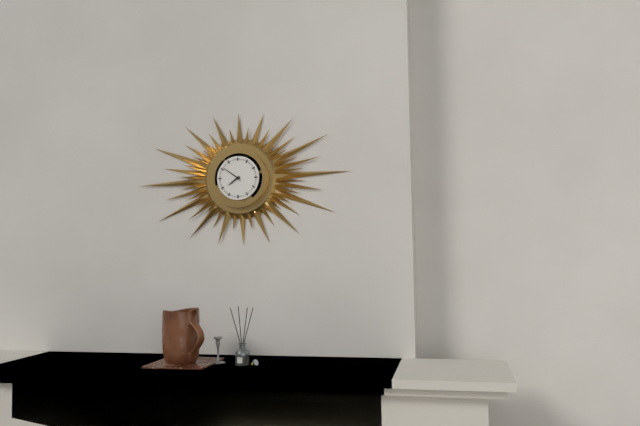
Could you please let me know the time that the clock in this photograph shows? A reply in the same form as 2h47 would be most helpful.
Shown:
7h51
